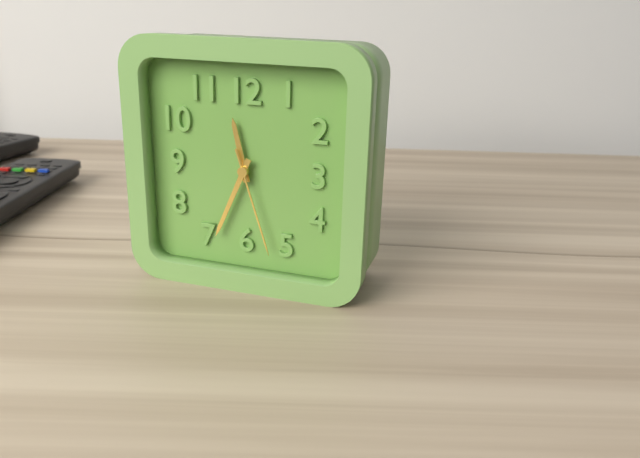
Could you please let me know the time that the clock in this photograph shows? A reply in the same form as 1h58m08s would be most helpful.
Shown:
11h34m27s
